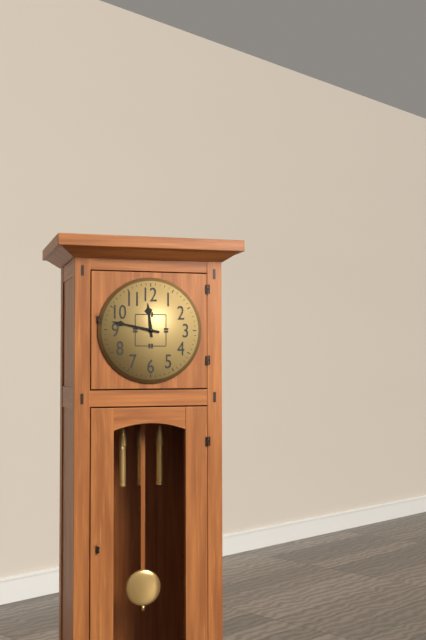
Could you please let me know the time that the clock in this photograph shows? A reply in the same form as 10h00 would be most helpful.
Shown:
11h47
